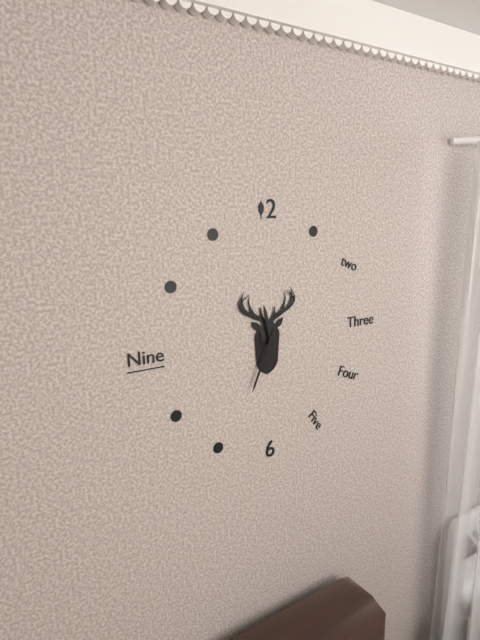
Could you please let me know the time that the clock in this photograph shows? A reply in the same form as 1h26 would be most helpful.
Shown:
11h34
